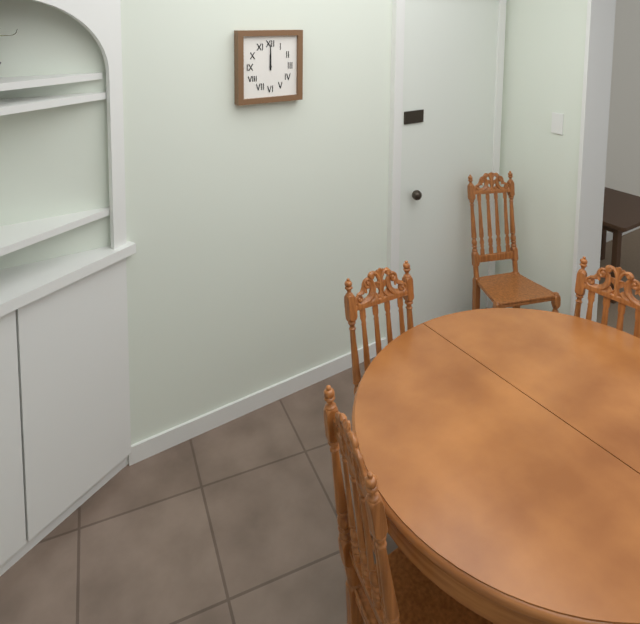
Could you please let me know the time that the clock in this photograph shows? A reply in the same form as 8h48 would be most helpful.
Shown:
12h00
